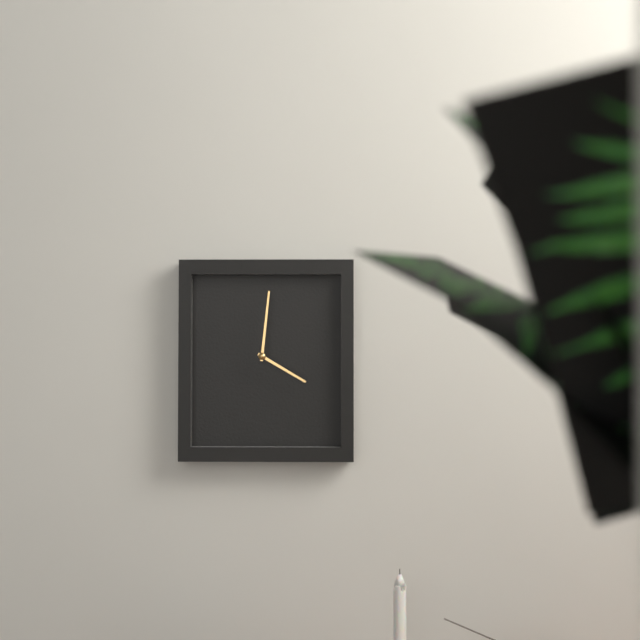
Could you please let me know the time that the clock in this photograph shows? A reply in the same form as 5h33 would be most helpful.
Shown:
4h01
